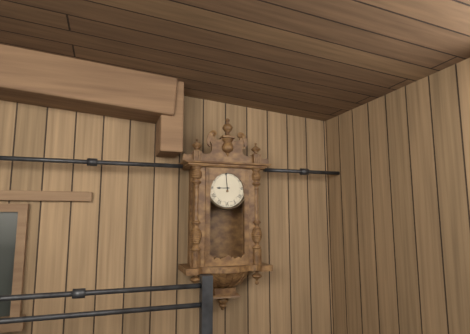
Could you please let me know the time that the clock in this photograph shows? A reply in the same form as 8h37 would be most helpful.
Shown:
8h59
